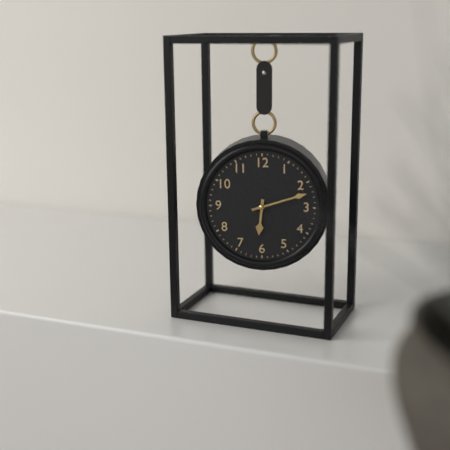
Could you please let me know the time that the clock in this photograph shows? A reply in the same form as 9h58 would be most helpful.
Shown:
6h12
